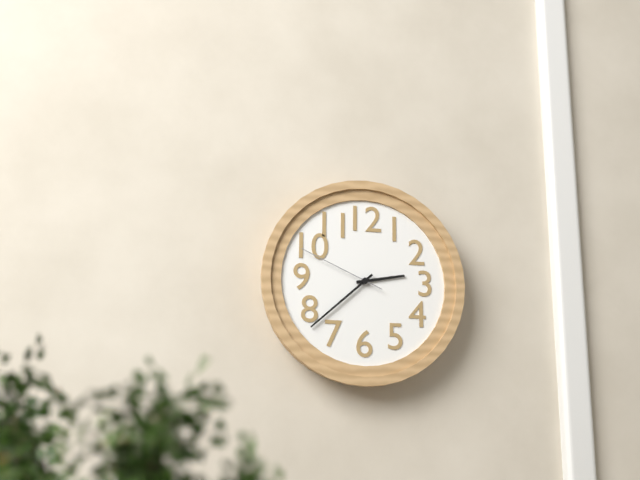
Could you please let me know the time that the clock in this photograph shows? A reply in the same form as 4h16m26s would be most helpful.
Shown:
2h38m49s
